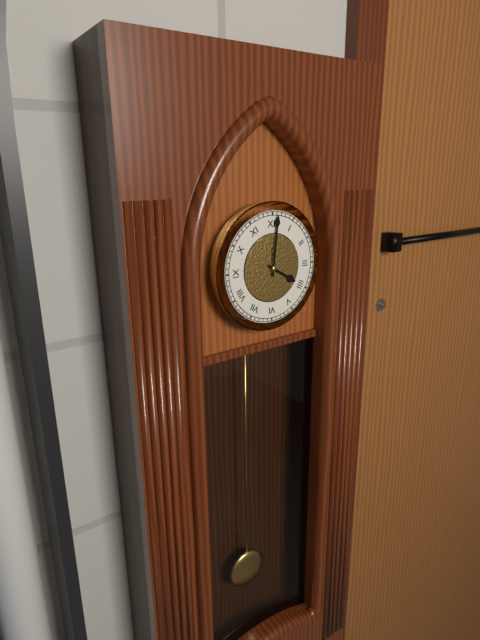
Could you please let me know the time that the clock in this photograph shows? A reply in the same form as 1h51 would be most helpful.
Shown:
4h01
